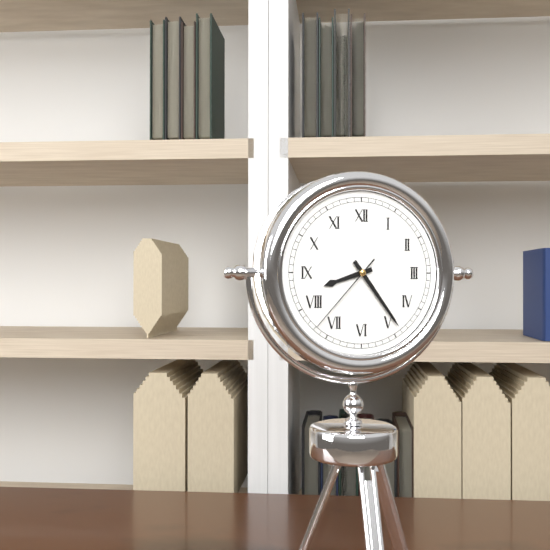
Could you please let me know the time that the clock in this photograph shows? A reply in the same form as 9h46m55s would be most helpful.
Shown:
8h24m37s
